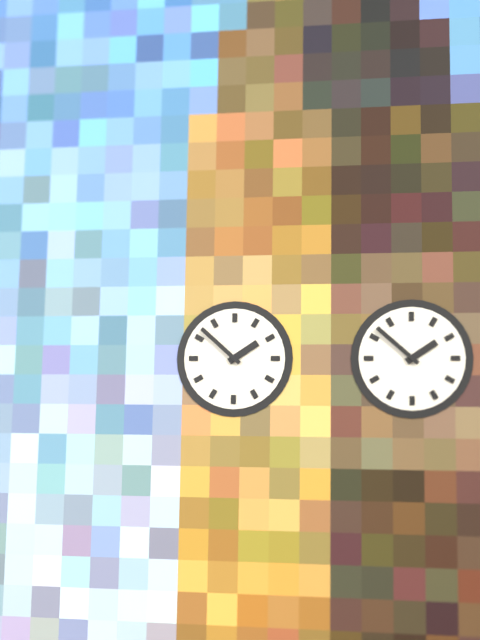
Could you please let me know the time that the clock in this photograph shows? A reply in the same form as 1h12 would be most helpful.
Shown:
1h52
